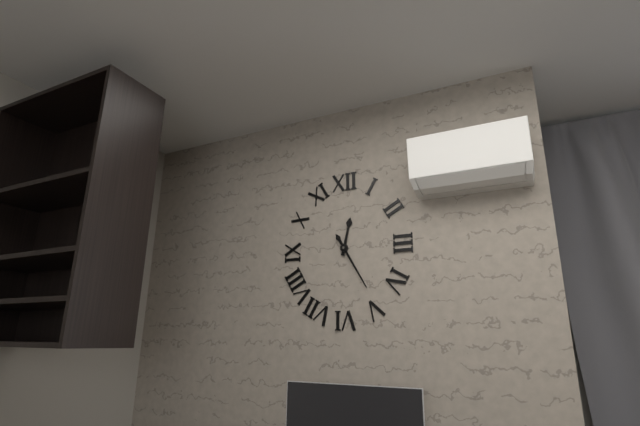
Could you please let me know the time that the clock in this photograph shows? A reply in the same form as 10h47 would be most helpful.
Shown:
12h25
